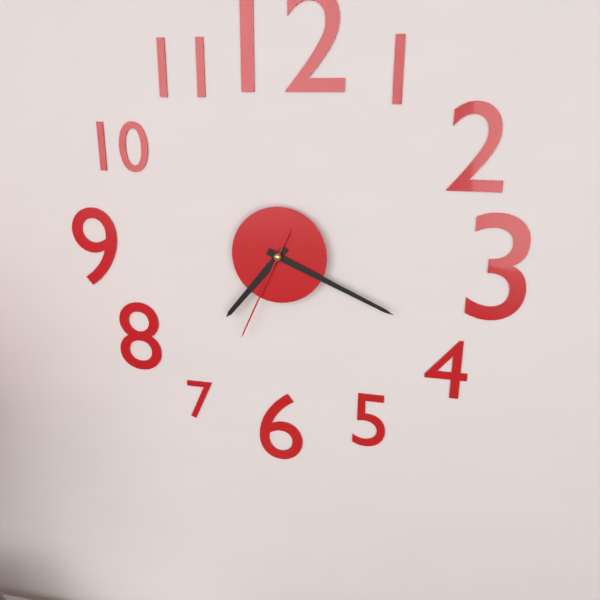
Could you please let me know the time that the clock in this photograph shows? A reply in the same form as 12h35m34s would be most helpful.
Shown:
7h19m34s
